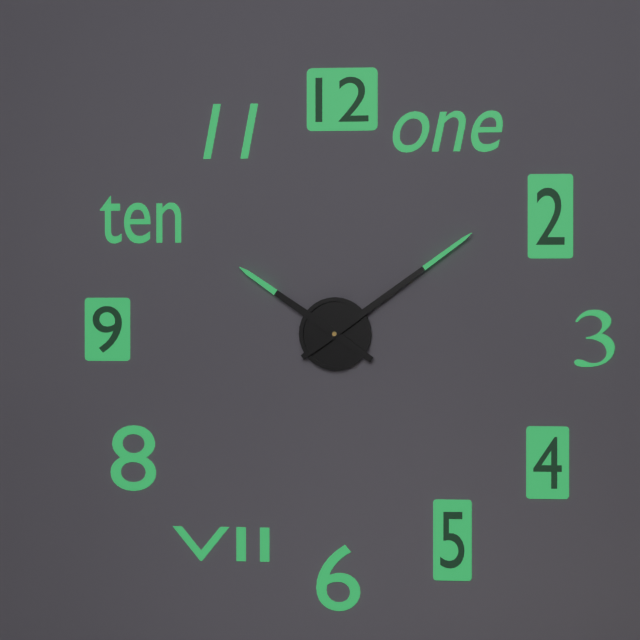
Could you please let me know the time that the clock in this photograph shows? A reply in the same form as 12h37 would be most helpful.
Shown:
10h09
